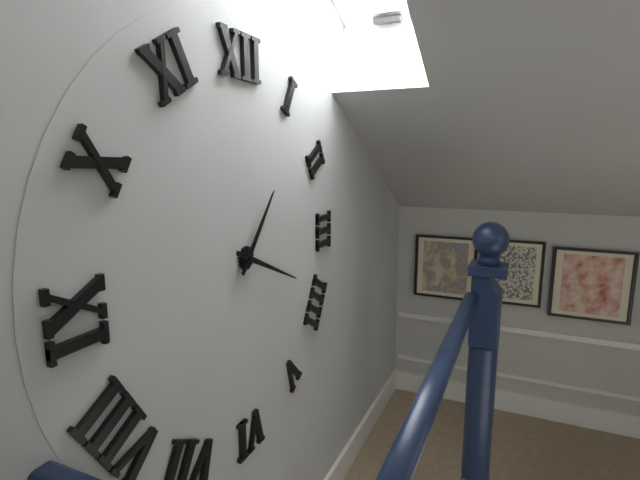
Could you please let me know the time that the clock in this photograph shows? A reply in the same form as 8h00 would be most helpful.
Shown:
1h19
